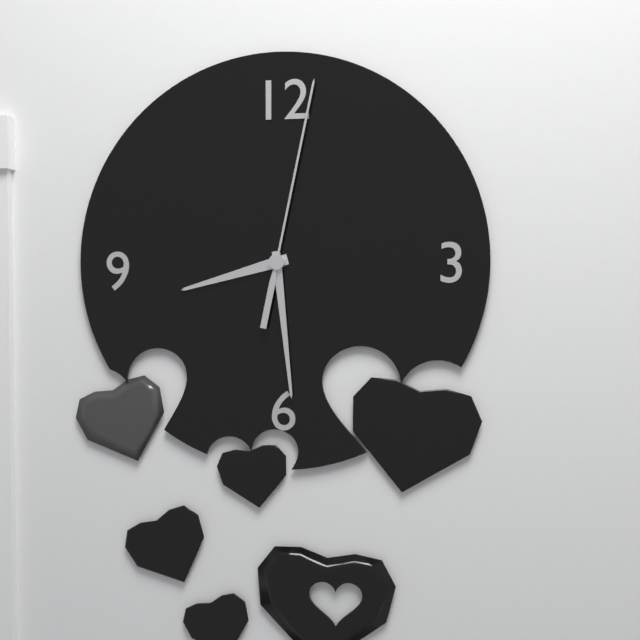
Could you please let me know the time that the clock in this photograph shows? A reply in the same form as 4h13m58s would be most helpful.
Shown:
8h29m02s
